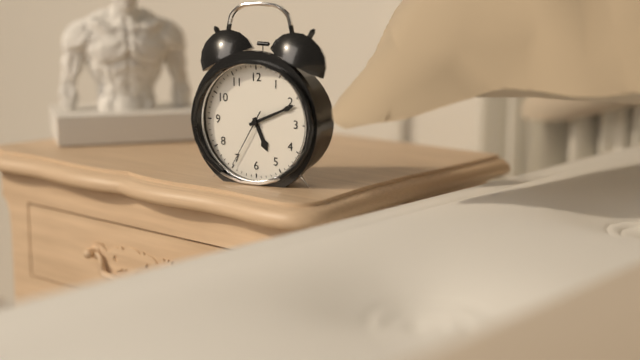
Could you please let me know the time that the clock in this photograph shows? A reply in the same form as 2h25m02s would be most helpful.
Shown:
5h11m35s
